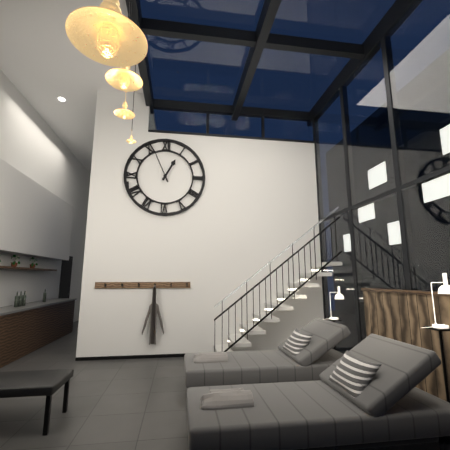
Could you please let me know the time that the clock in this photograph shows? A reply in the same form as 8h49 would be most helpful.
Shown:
12h56
